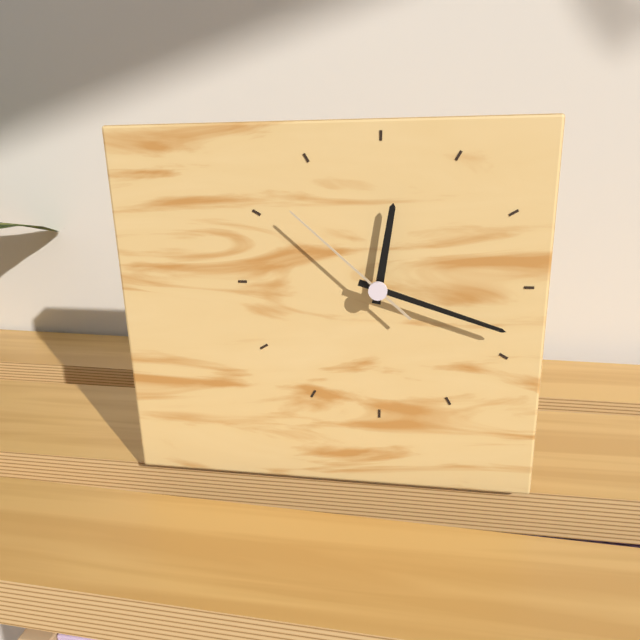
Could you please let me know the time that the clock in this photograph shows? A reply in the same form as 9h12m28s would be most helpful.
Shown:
12h18m52s
